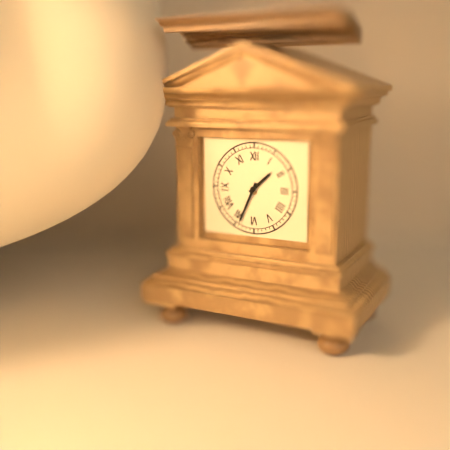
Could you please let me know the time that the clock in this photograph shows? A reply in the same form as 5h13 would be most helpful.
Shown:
1h34
